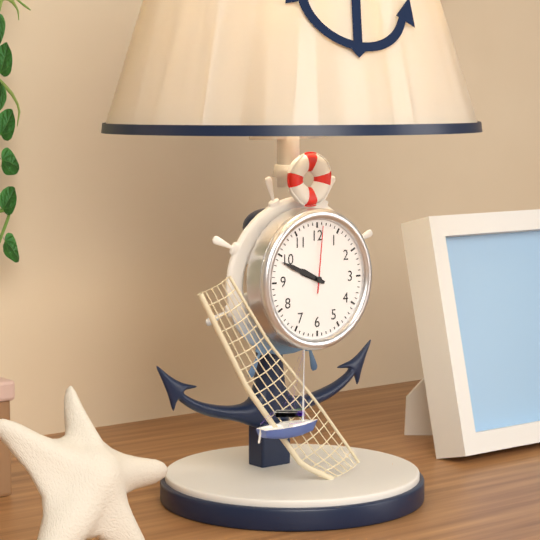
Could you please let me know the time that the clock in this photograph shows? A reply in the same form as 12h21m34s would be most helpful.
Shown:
9h49m01s
